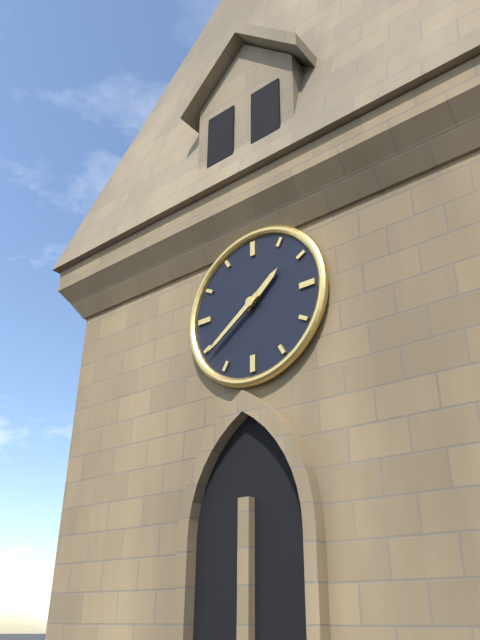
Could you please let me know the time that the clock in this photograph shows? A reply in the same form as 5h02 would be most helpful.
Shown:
1h39
